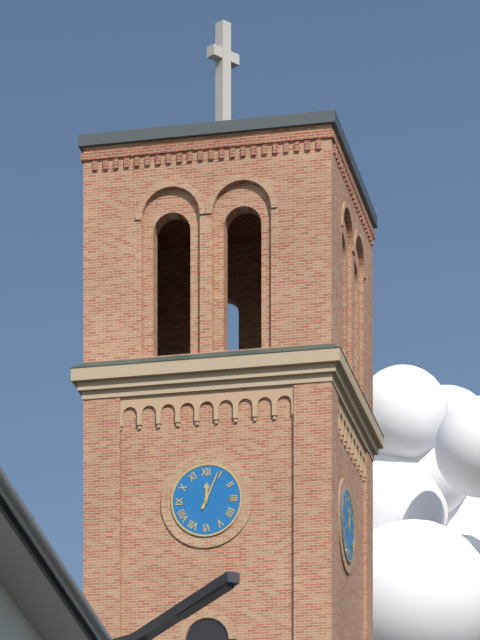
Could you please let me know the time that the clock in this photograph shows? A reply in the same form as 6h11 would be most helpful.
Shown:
12h04
